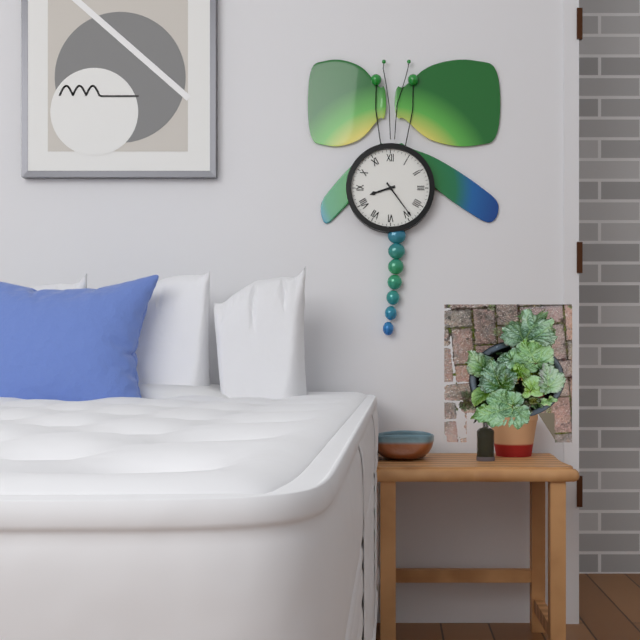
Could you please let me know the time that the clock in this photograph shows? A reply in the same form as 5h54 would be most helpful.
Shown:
8h24
